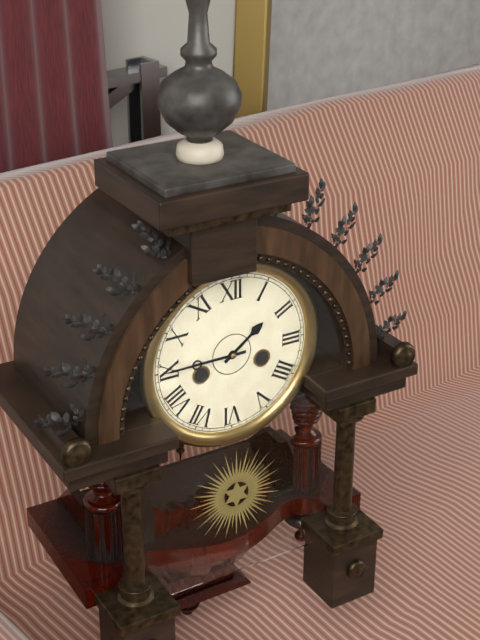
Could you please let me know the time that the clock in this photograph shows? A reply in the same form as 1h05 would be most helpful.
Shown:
1h45
